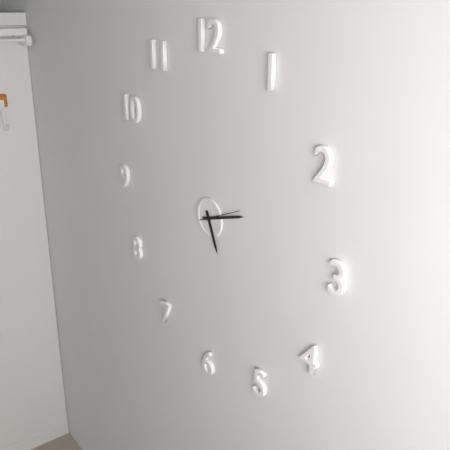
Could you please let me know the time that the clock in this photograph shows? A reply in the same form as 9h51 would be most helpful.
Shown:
5h12
